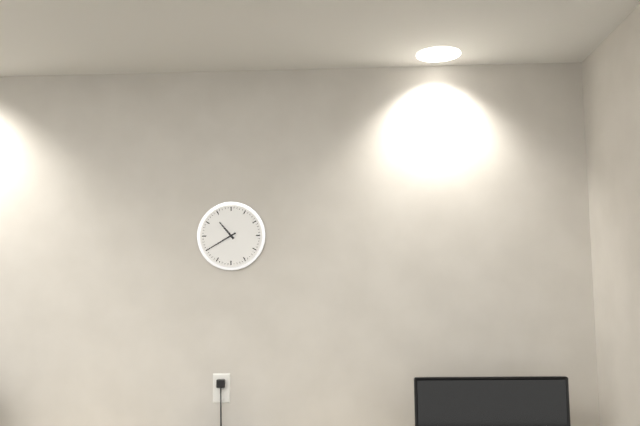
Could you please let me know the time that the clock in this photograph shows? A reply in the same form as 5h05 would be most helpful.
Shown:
10h40
